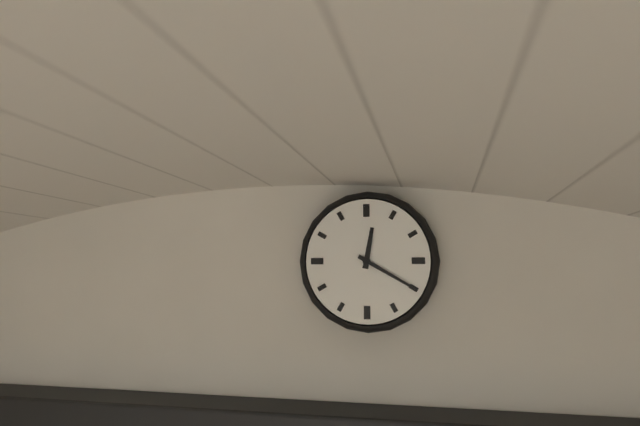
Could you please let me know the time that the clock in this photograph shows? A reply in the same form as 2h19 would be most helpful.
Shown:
12h20
